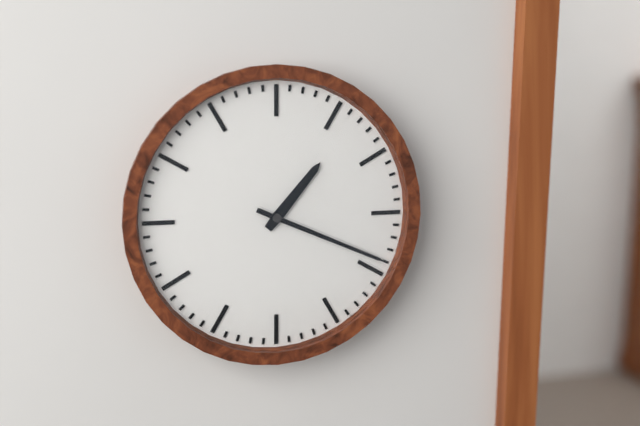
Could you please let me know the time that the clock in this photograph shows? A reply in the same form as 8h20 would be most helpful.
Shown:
1h19
